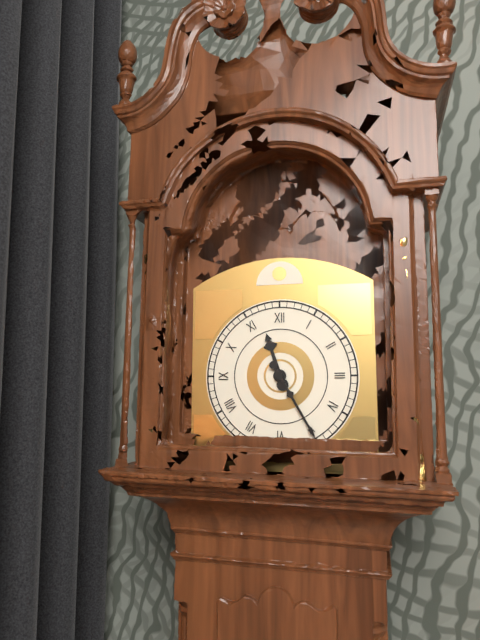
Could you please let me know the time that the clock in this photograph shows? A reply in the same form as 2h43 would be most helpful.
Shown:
11h25
